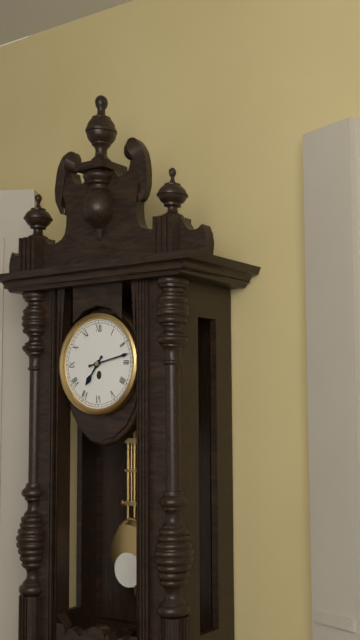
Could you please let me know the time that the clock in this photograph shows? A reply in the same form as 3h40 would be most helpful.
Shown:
7h13
